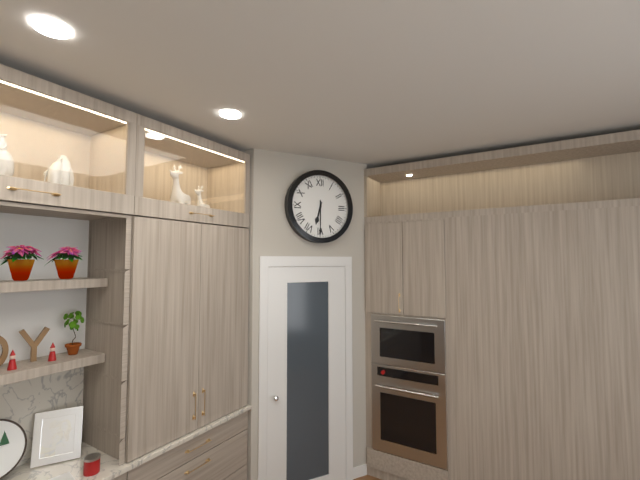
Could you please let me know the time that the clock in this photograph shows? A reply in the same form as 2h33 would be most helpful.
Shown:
6h30
